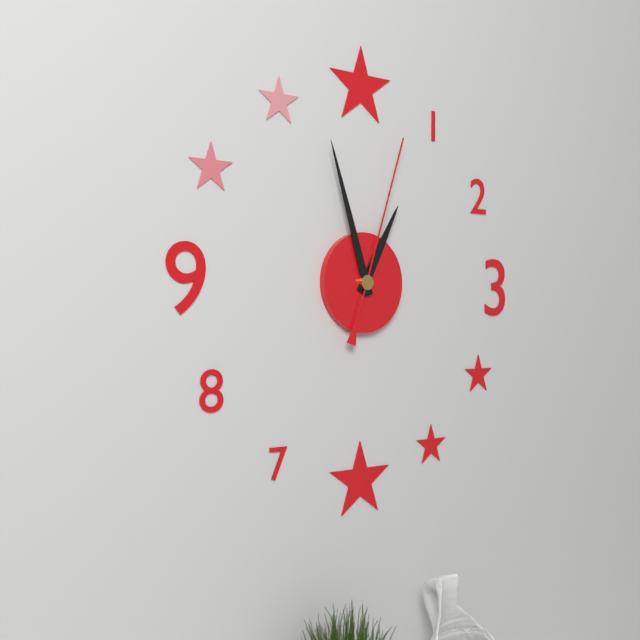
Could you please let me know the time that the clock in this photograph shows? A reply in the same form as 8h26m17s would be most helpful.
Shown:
12h57m03s
